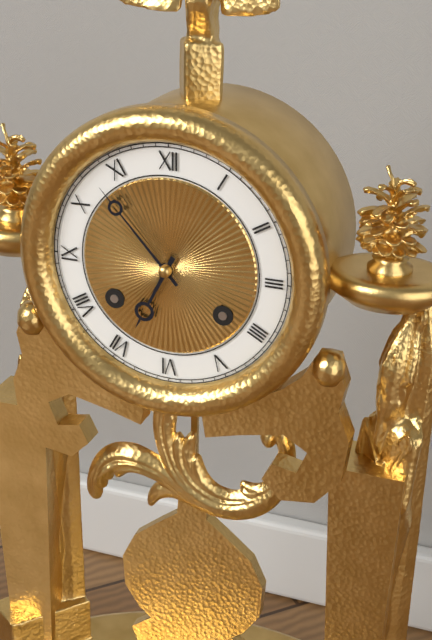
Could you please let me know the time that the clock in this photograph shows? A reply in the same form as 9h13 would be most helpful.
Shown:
6h53
